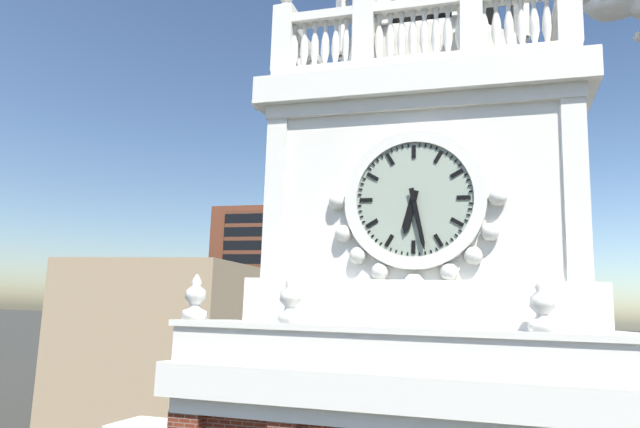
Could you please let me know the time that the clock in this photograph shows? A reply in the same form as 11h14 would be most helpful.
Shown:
6h28
